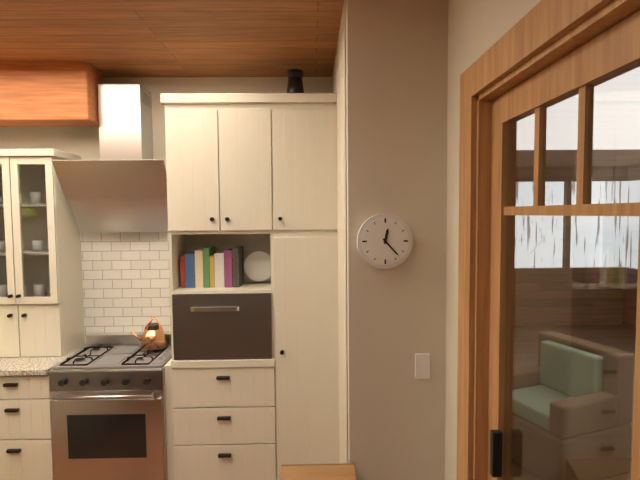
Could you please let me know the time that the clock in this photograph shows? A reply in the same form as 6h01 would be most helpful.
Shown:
12h23
